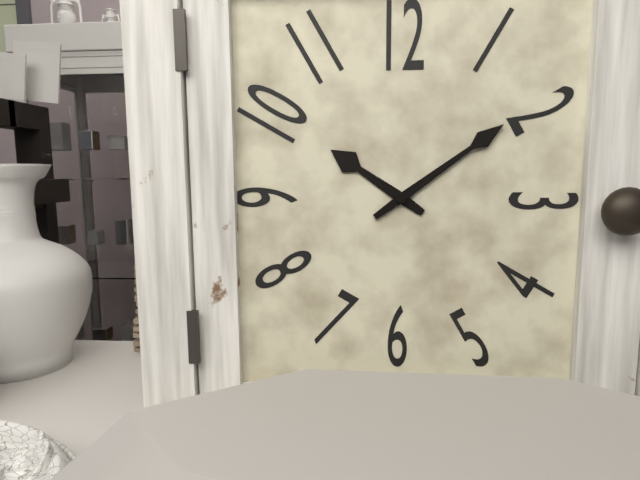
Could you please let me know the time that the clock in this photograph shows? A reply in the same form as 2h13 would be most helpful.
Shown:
10h09
